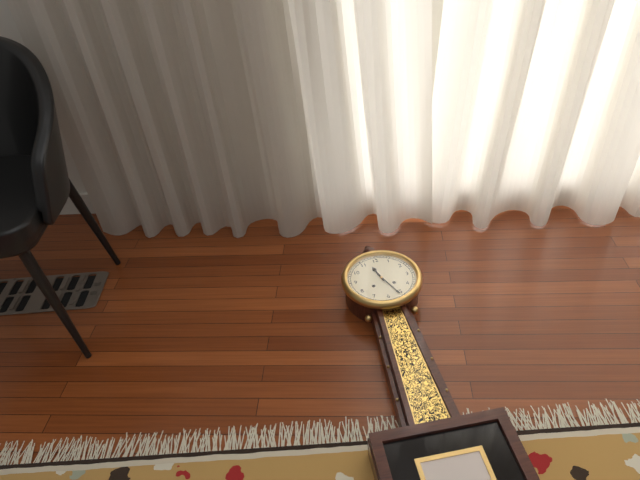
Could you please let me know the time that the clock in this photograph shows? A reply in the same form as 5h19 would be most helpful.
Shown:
11h26
